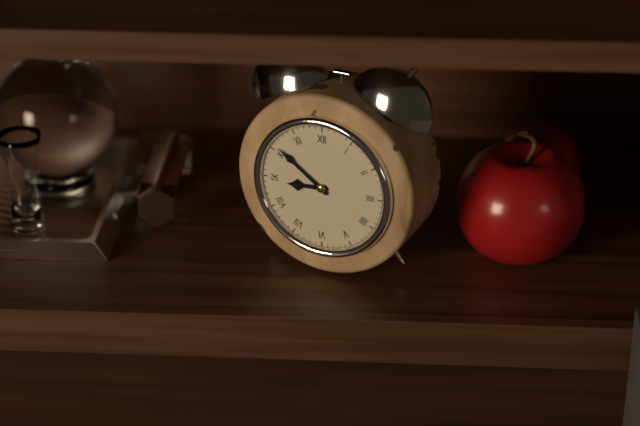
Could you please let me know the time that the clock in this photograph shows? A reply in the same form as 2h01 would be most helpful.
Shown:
8h51
